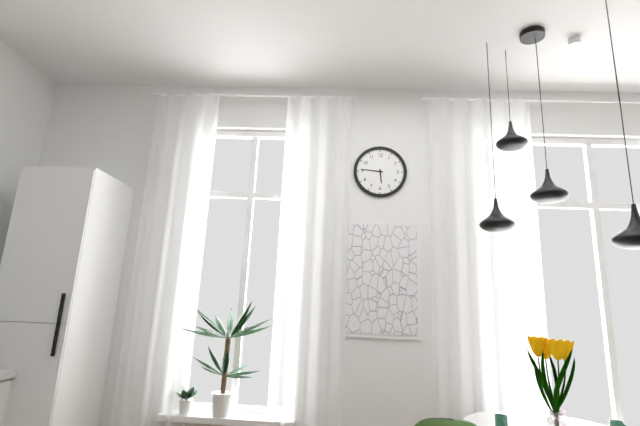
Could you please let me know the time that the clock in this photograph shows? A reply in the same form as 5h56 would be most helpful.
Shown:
5h46
